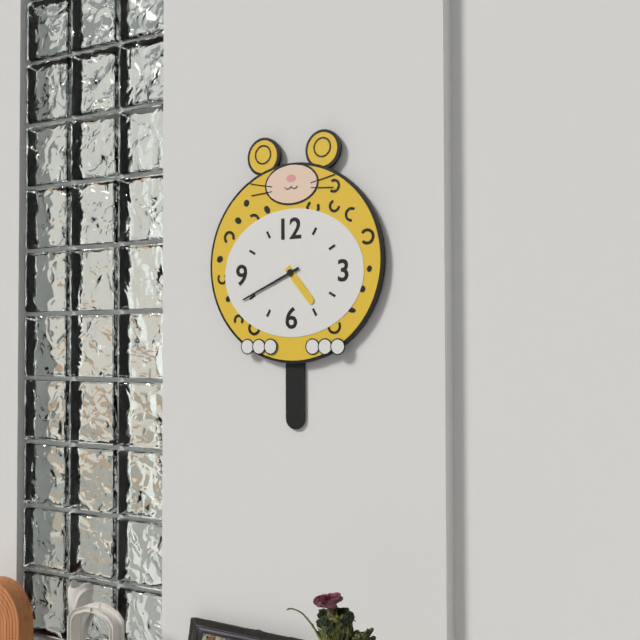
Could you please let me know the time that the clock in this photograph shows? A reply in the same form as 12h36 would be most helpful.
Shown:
4h41
